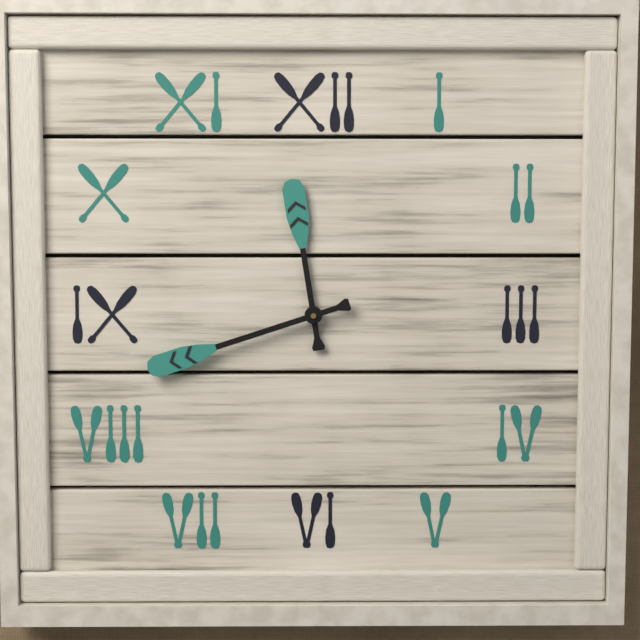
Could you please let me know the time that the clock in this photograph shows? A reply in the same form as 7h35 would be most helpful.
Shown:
11h42
